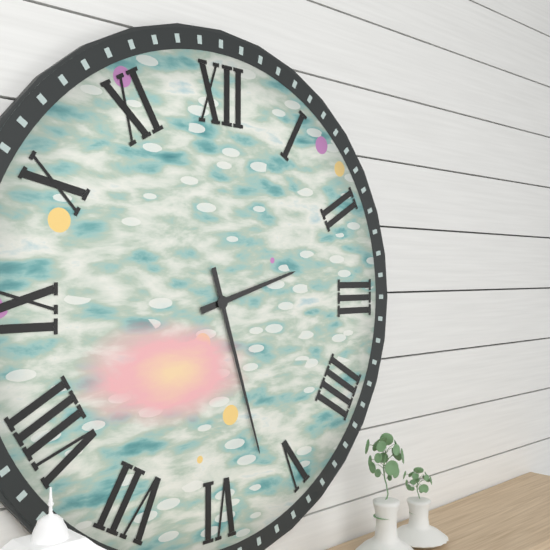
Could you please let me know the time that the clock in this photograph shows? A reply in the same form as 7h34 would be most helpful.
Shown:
2h27
